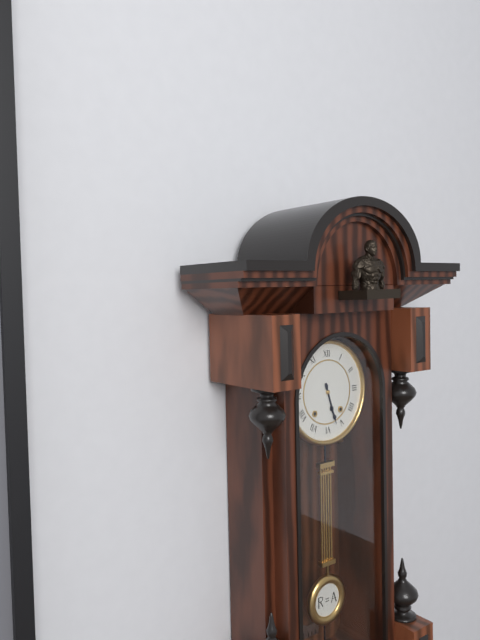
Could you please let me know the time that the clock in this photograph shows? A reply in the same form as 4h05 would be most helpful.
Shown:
5h27
